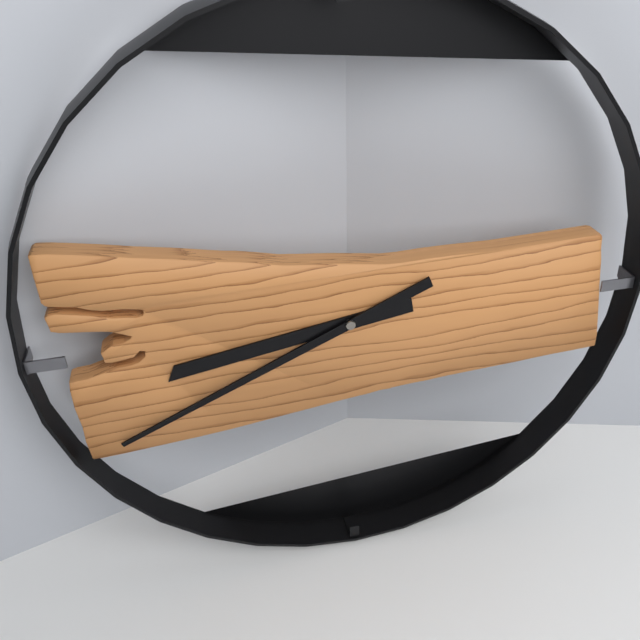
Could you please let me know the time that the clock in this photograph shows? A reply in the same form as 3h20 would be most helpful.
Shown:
8h41
